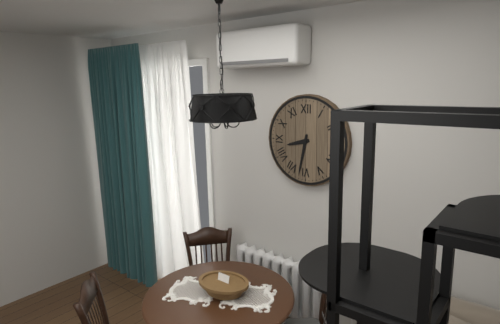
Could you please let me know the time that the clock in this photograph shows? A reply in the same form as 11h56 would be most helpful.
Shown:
8h32
